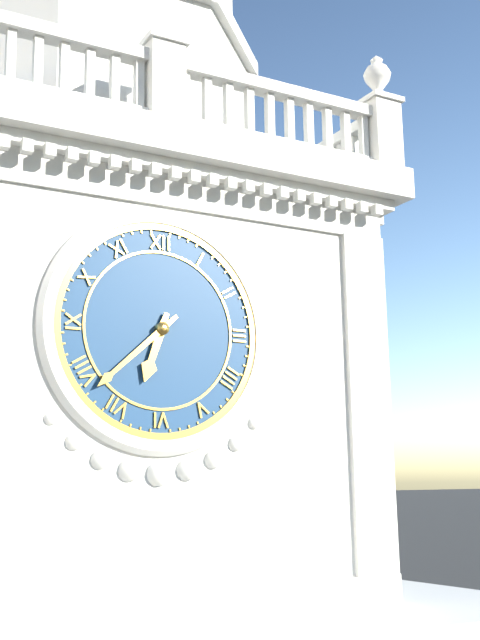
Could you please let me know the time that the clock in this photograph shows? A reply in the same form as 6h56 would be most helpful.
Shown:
6h38
